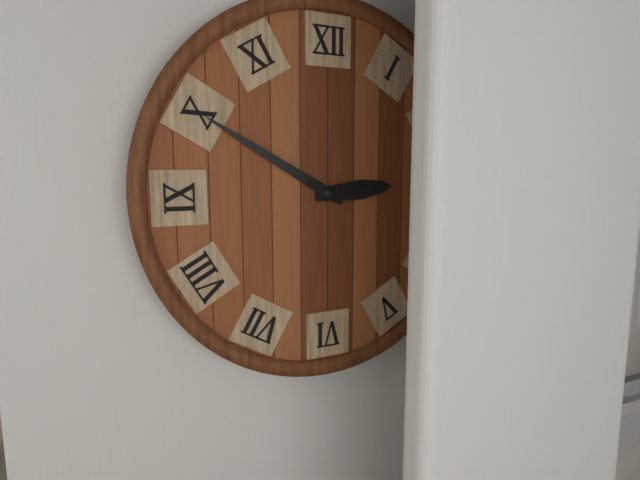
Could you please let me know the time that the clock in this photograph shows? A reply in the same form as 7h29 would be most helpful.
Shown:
2h50
